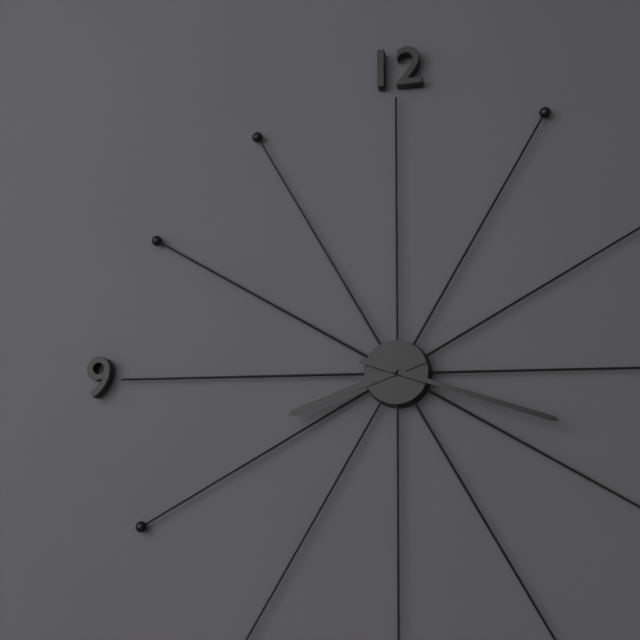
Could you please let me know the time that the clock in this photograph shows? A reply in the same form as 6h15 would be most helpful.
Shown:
8h18
